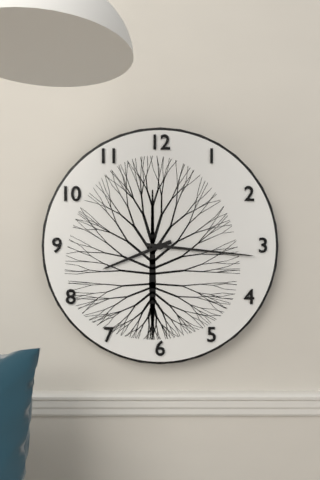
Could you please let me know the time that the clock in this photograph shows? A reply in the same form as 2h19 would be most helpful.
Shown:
8h16
